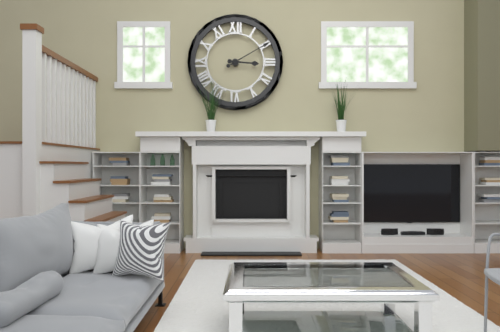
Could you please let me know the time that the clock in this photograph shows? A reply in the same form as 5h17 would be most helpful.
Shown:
3h10
